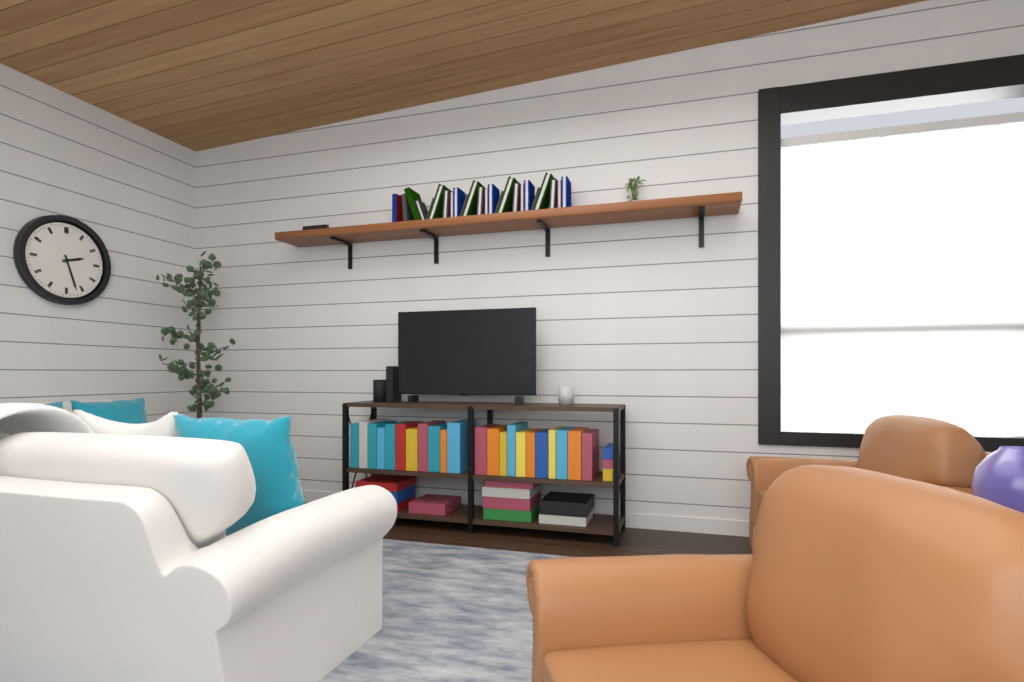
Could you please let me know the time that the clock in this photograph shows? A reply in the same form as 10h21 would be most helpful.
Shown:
2h27
